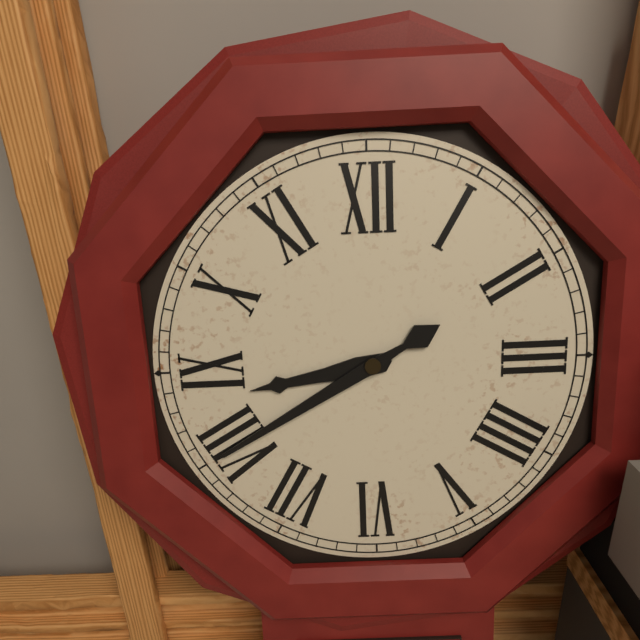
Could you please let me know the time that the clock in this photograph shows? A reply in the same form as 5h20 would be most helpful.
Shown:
8h40
